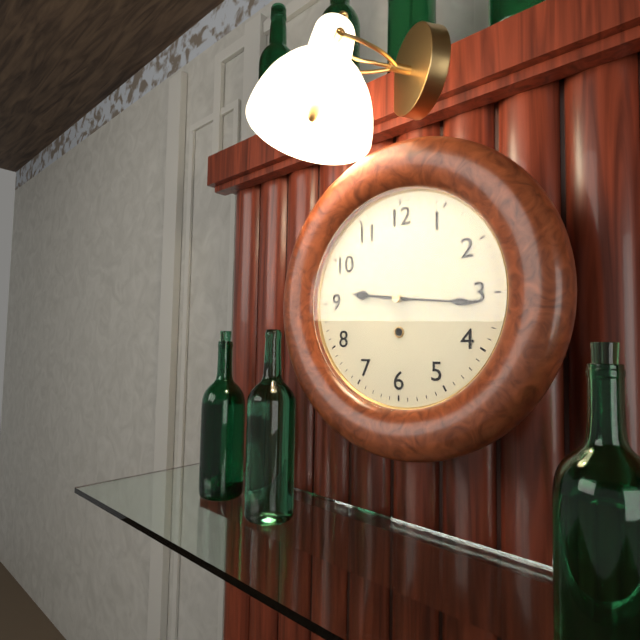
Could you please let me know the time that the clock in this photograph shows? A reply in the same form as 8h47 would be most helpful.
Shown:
9h16
